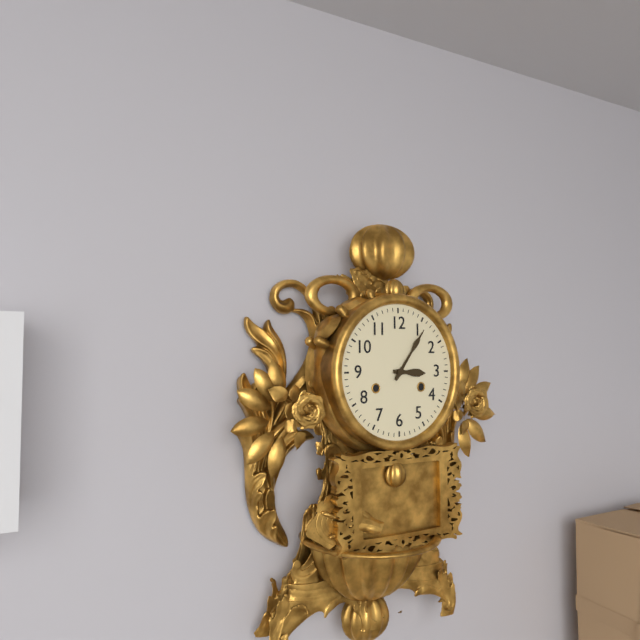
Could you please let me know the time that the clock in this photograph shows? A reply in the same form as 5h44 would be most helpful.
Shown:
3h06
